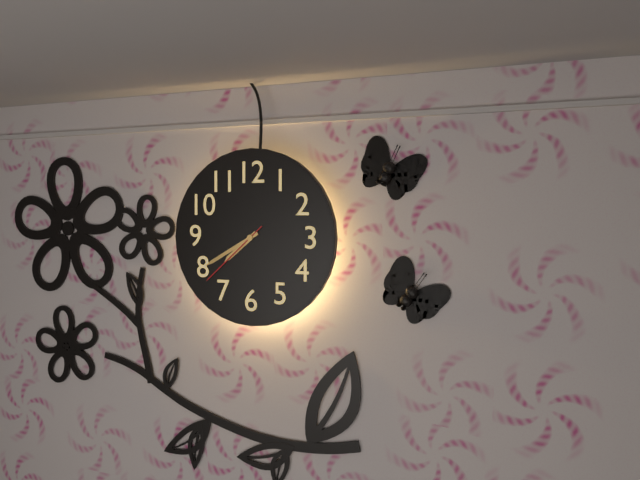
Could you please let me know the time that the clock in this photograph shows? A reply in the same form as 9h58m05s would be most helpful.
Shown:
7h40m38s
